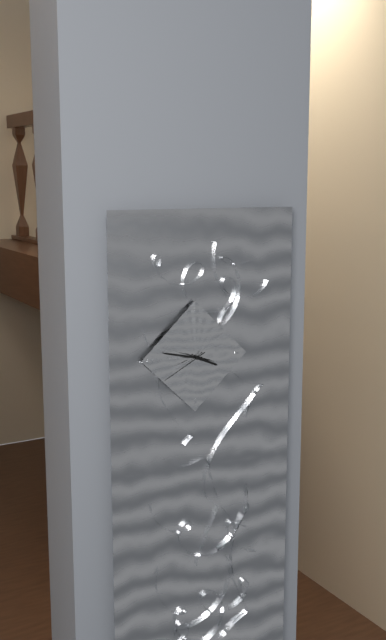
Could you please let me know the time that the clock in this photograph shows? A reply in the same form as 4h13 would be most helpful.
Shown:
3h47
